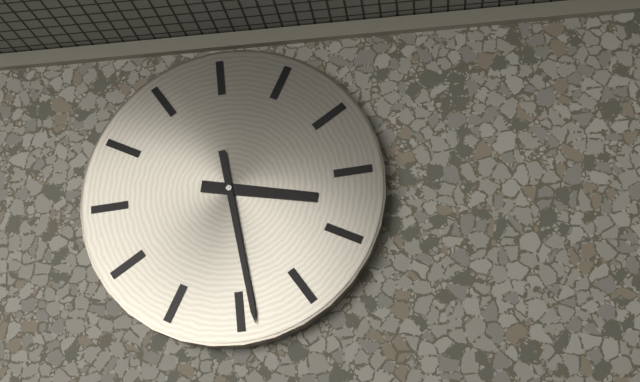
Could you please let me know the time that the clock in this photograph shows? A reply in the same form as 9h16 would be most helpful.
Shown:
3h29
